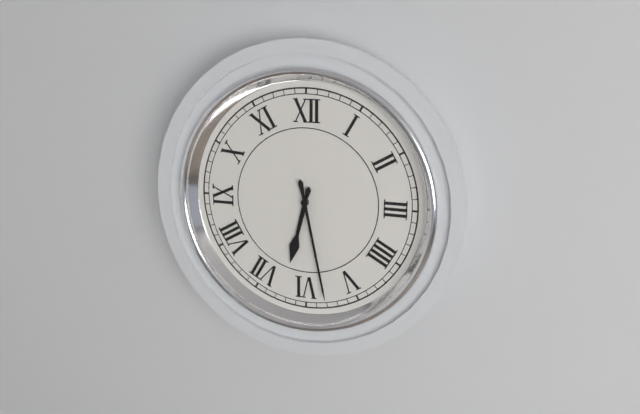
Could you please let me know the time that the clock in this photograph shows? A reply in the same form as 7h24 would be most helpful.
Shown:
6h28
